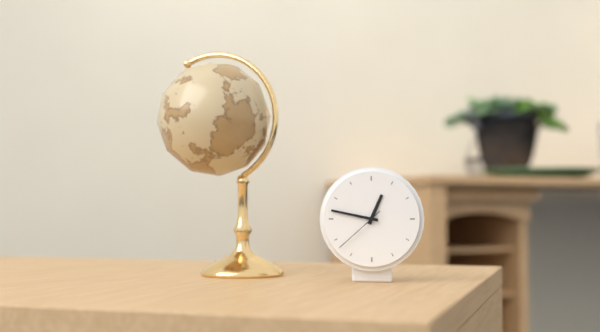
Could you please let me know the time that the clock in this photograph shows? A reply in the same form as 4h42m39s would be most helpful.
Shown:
12h47m38s
